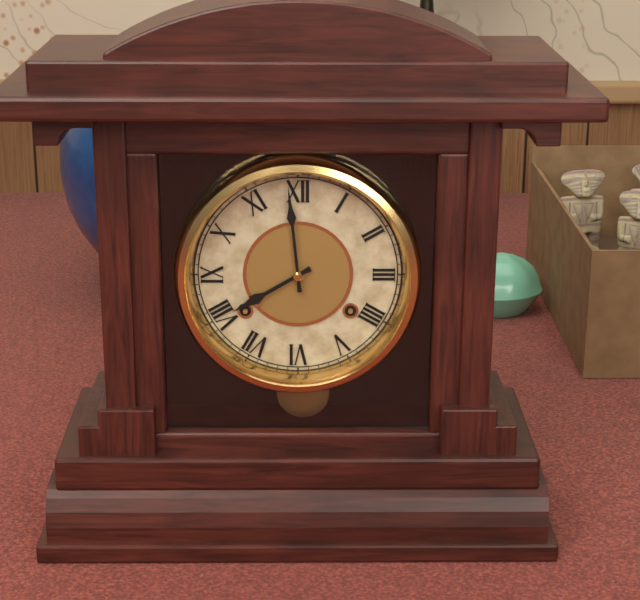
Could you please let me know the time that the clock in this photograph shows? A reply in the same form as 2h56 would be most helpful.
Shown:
7h59
